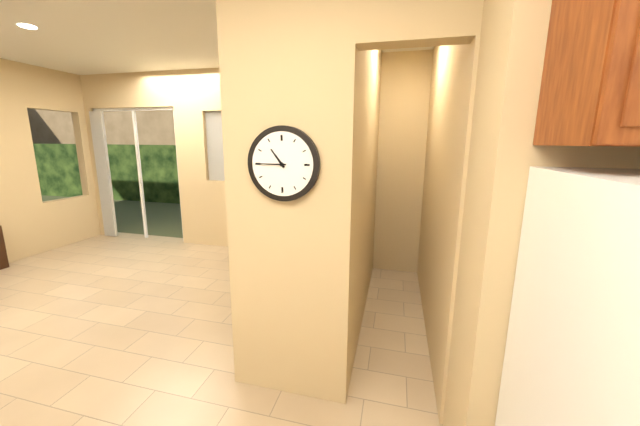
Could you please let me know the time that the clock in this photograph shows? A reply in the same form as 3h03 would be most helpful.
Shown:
10h45
